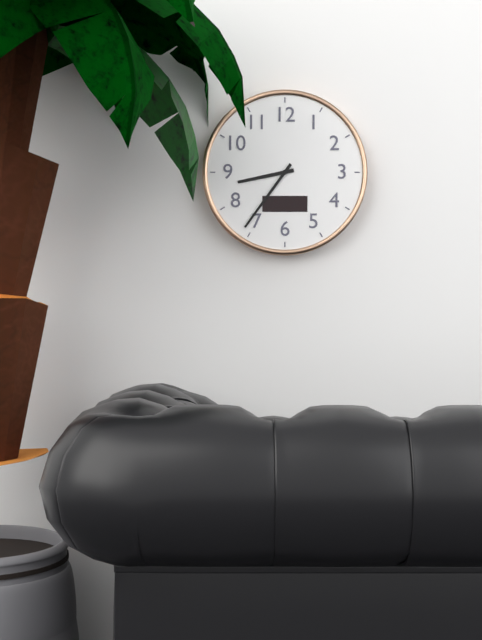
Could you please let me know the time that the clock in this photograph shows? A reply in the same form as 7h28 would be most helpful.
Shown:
8h36
